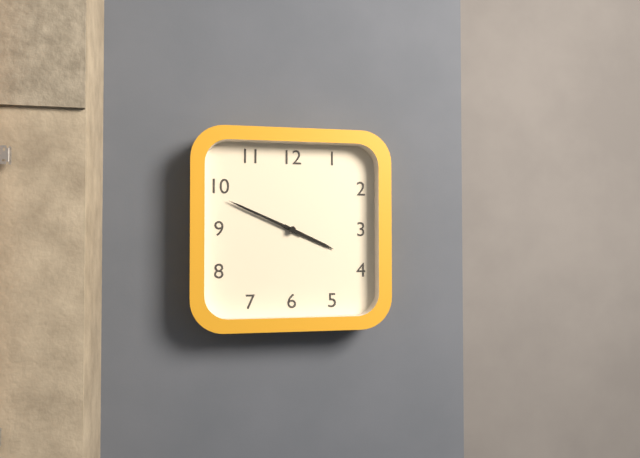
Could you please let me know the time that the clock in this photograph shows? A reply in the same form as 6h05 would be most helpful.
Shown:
3h49
